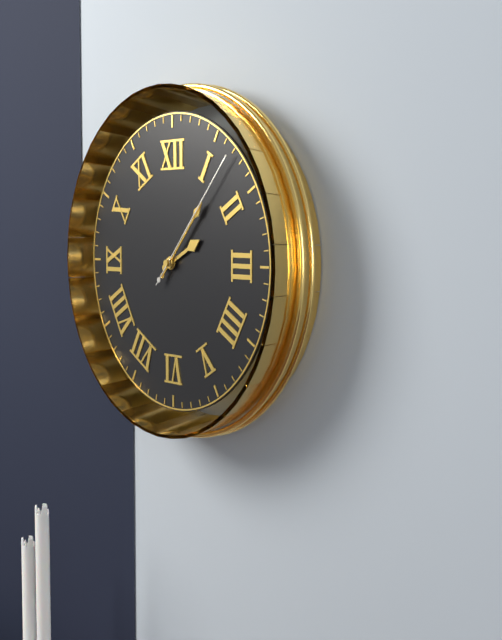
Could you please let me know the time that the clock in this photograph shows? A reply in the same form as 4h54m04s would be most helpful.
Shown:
2h07m07s
